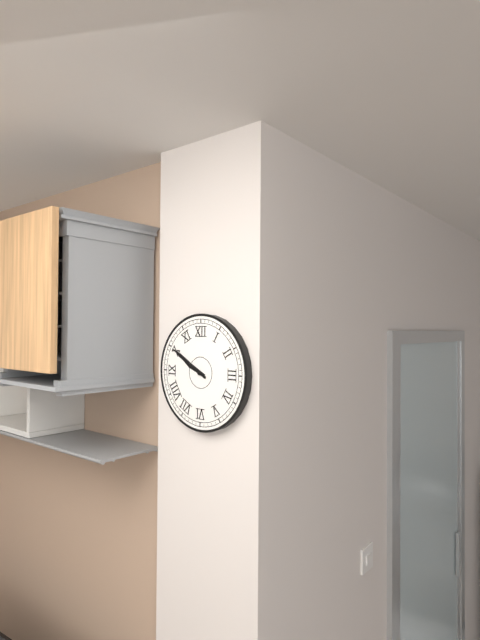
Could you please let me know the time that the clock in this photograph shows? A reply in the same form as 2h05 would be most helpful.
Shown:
9h50
